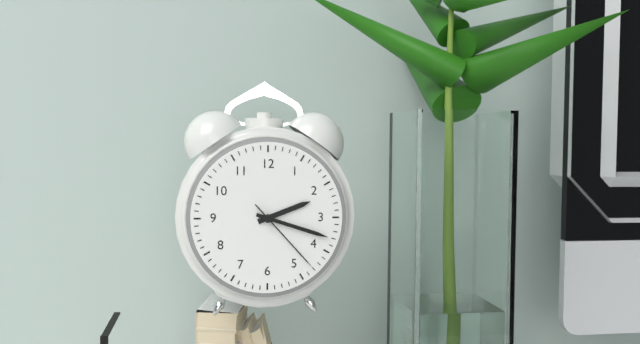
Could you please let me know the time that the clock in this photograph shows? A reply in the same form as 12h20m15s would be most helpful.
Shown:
2h18m23s
